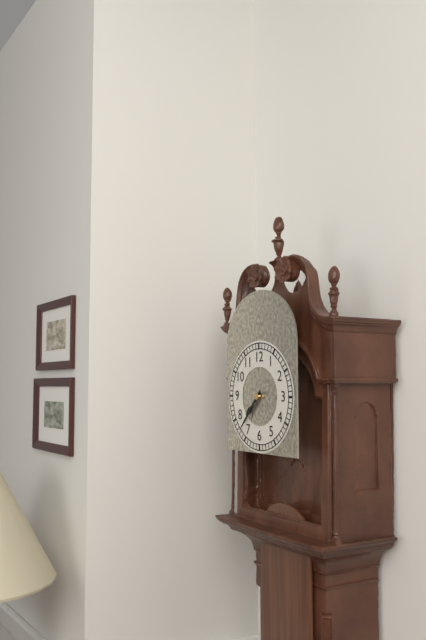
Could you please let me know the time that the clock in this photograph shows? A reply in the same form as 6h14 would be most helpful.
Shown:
7h37
